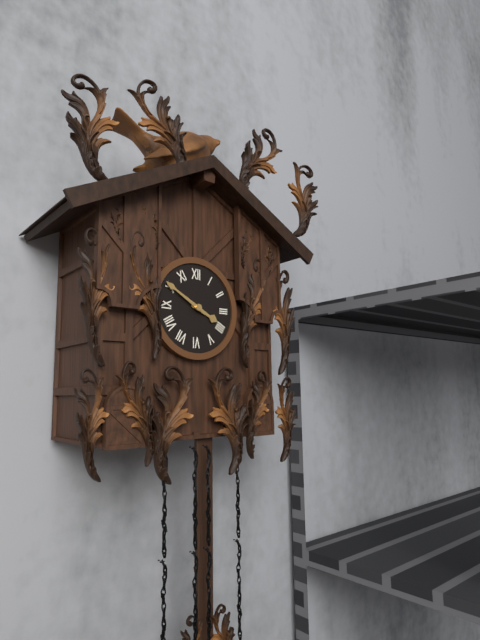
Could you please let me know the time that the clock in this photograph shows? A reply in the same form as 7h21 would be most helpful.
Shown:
3h50
